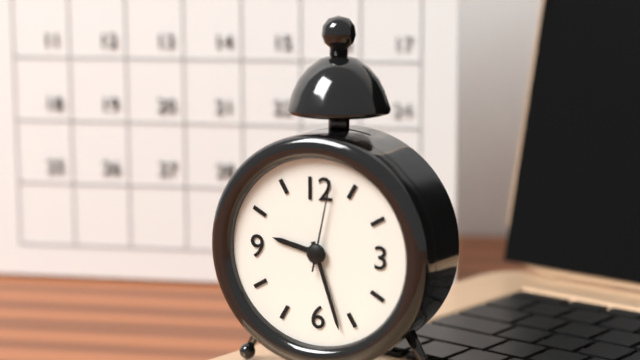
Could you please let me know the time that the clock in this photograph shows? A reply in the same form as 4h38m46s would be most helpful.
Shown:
9h27m02s
